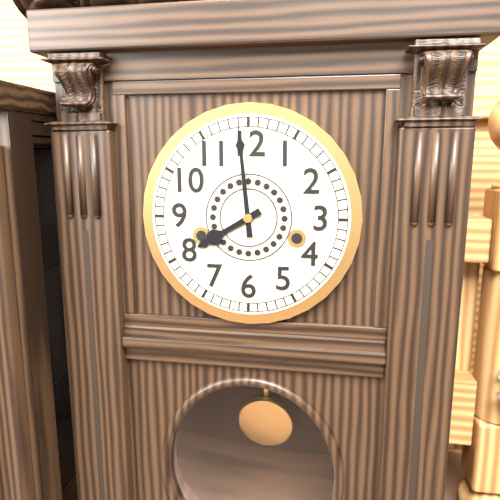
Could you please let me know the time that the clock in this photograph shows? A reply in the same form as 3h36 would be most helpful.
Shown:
7h59
